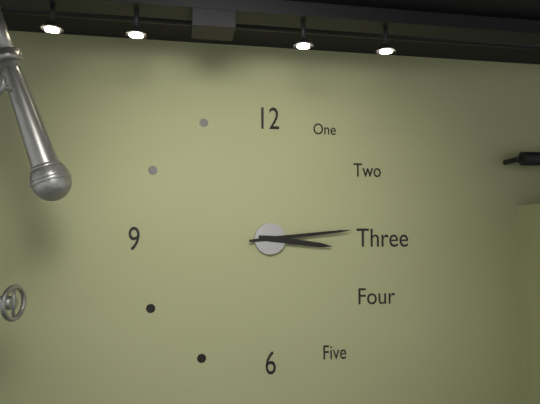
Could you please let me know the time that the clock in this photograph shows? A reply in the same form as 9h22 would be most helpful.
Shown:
3h14
